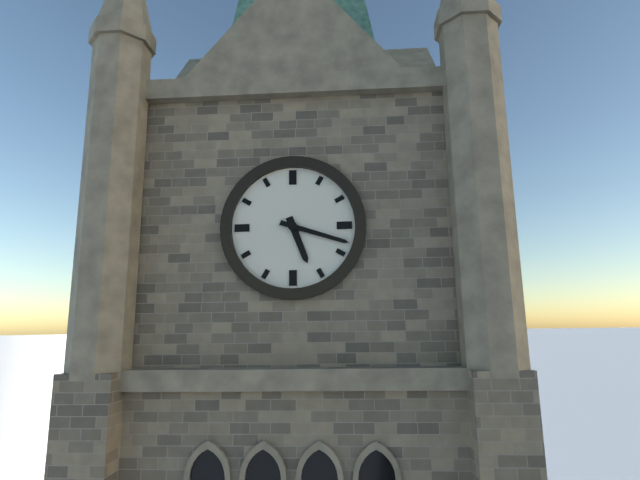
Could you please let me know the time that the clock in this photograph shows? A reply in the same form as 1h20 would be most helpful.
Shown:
5h18
